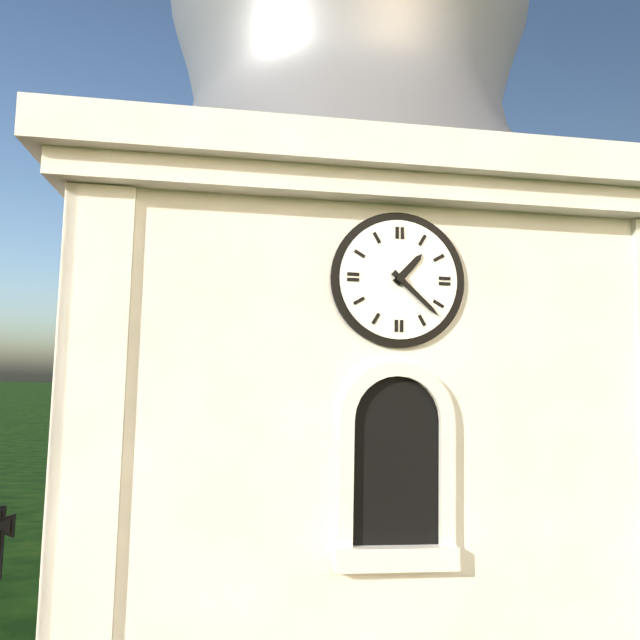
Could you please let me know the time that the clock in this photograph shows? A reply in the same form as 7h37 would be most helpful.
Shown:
1h22
